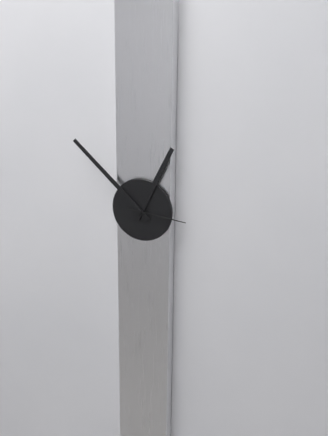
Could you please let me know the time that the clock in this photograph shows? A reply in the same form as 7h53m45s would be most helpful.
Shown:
12h52m16s
